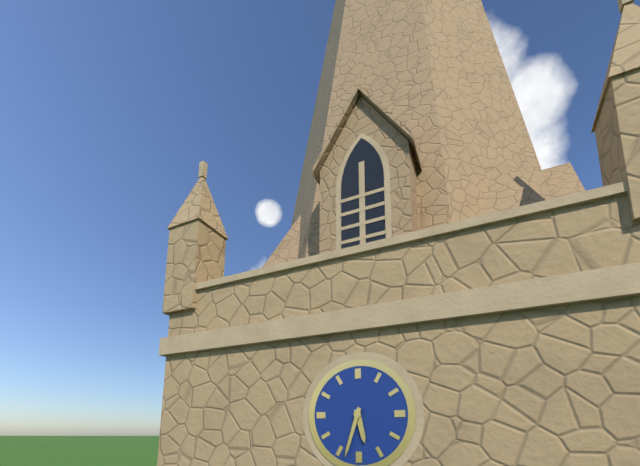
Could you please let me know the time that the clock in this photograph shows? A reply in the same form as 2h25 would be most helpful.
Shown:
5h33
